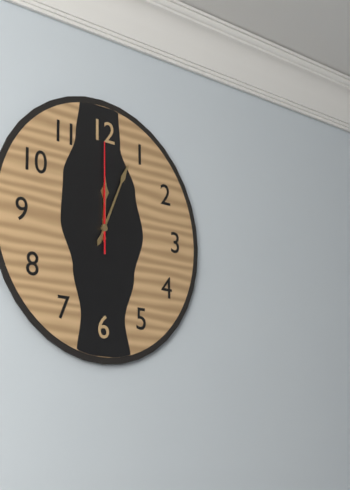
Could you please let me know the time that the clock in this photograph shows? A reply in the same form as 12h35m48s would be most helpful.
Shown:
12h04m00s
